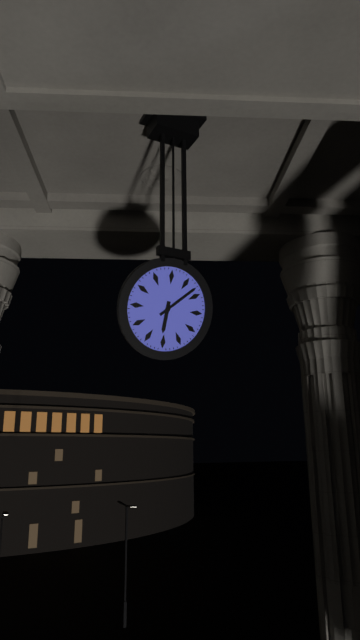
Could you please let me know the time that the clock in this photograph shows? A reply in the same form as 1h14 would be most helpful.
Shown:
6h08
